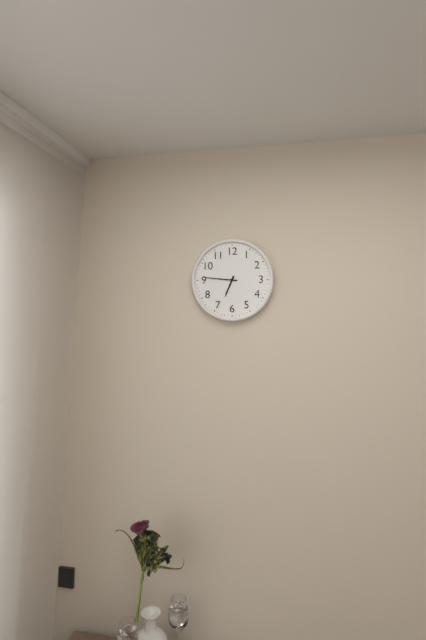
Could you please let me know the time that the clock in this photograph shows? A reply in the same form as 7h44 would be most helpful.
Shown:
6h46
